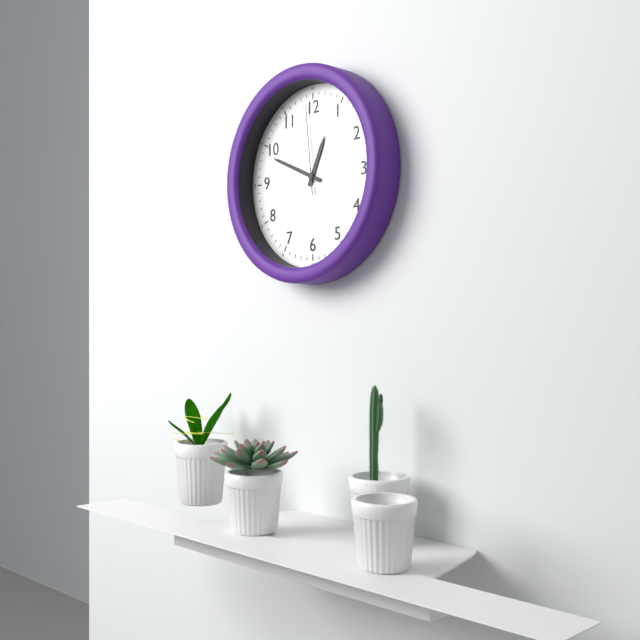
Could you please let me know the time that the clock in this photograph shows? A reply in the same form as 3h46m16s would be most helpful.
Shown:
12h49m59s
